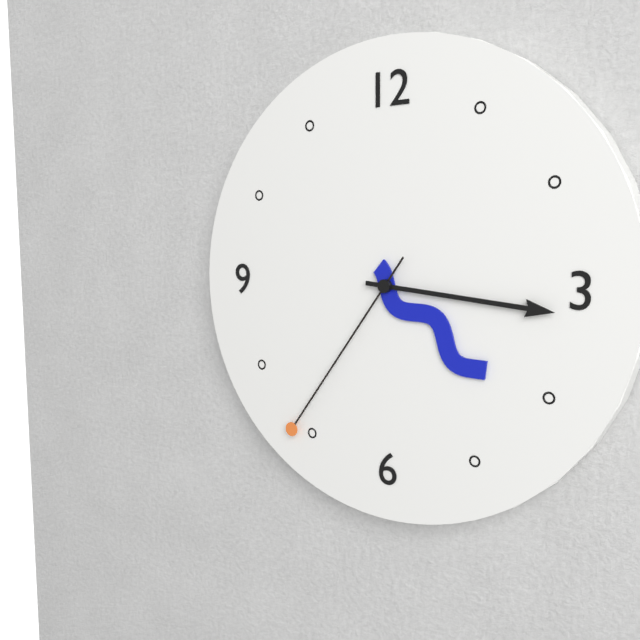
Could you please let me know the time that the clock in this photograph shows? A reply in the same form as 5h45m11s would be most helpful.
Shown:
4h16m36s
